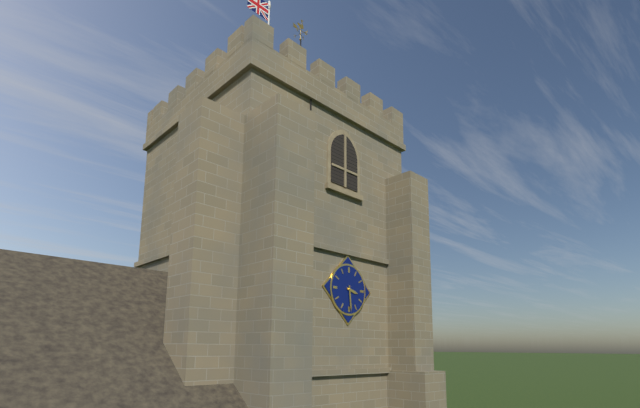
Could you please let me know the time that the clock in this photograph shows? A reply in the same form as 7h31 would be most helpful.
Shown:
3h29
